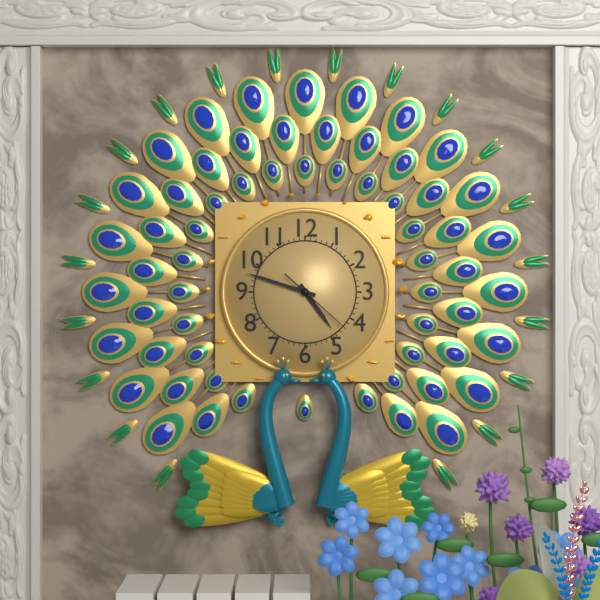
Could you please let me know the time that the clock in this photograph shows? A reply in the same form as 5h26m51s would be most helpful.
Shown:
4h48m22s
